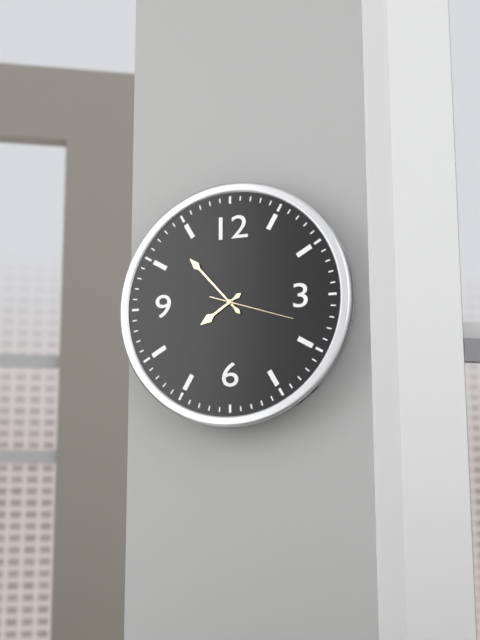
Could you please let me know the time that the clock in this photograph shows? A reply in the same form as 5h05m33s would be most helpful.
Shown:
7h53m18s
